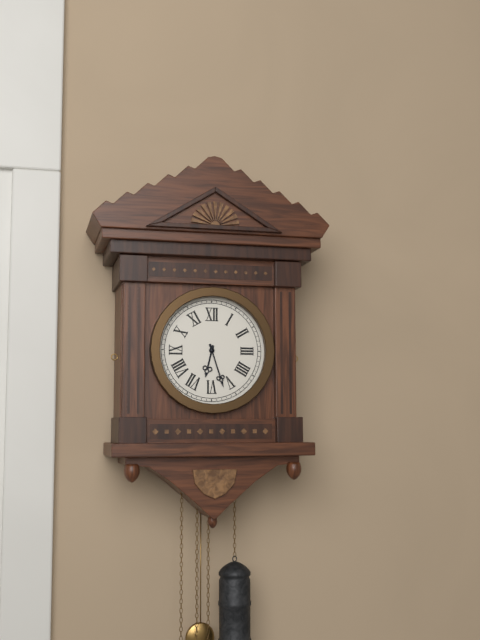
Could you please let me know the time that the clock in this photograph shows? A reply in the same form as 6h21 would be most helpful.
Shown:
6h27
